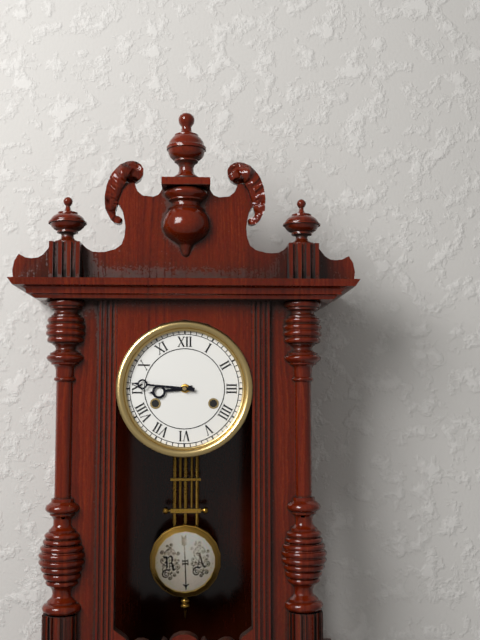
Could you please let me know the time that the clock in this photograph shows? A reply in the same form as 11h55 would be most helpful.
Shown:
8h46
